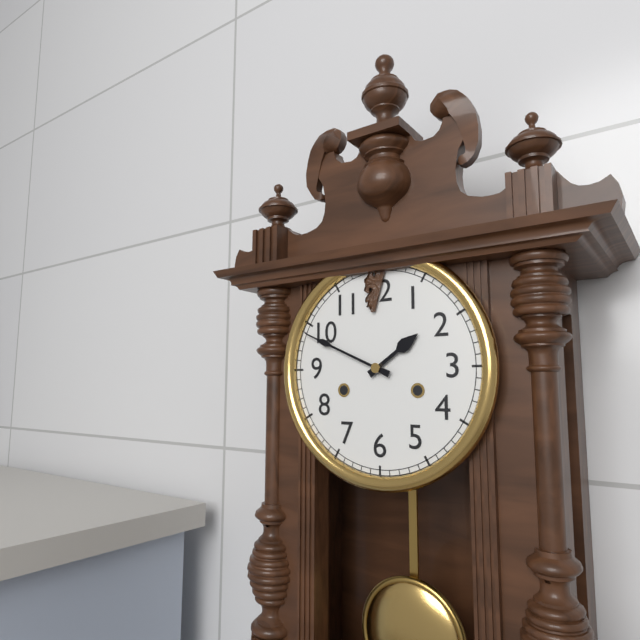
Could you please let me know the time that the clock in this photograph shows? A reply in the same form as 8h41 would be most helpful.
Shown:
1h49
